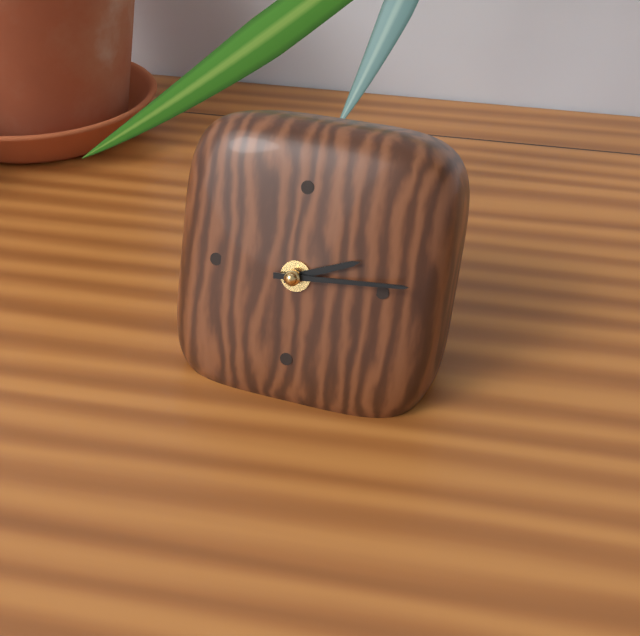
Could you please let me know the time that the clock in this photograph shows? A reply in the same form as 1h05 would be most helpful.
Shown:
2h14
